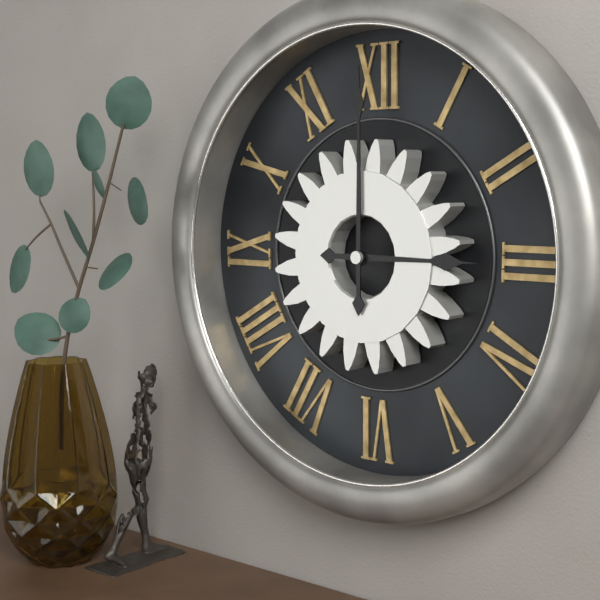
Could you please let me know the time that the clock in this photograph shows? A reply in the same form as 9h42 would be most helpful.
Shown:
3h00
